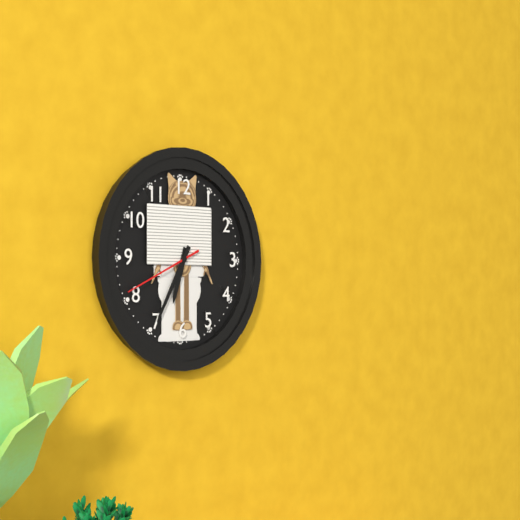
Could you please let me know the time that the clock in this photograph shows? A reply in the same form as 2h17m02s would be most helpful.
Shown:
6h35m41s
